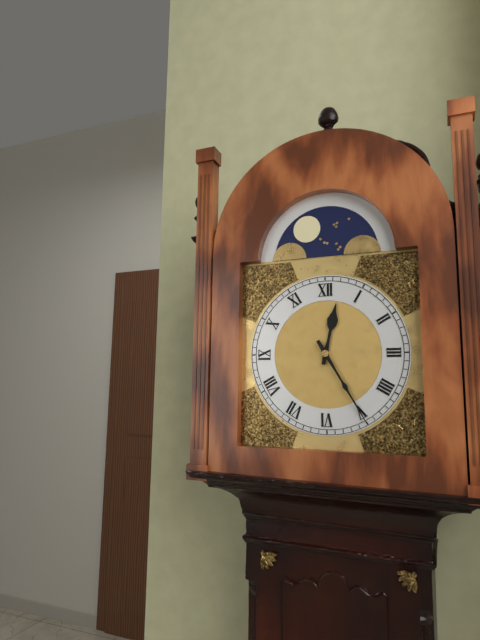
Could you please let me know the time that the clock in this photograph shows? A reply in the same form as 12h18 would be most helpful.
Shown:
12h25
